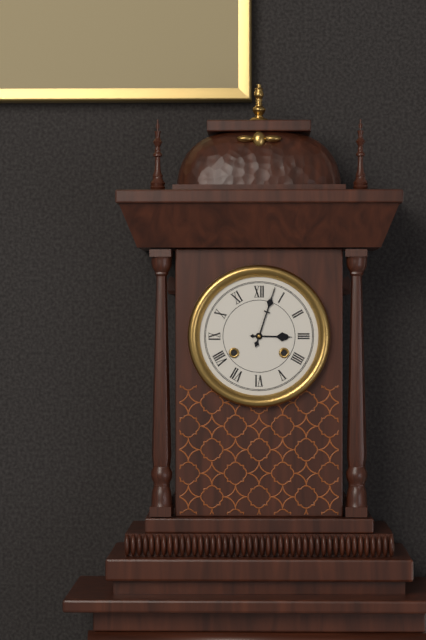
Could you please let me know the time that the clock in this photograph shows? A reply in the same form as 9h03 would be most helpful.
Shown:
3h03
